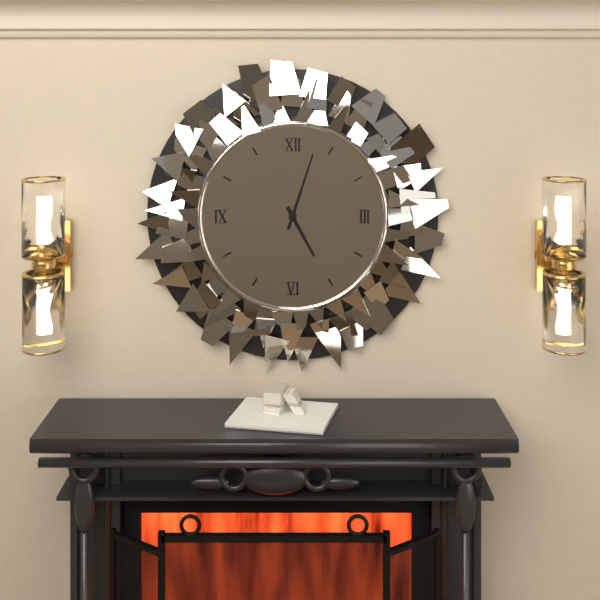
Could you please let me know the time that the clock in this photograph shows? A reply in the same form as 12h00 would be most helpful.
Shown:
5h03
